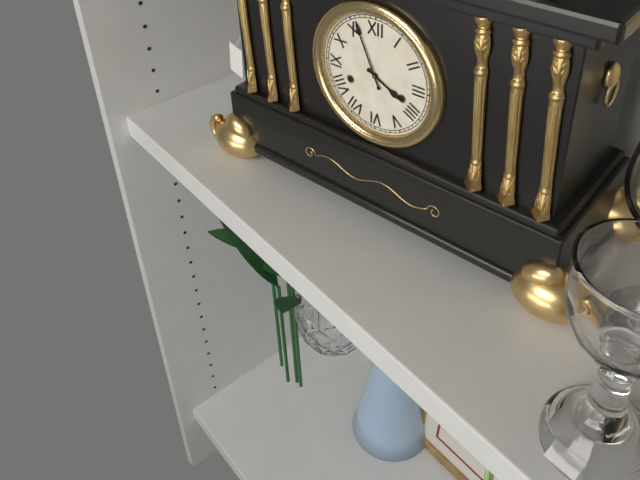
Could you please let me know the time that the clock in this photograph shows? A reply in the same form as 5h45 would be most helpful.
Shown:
3h56
